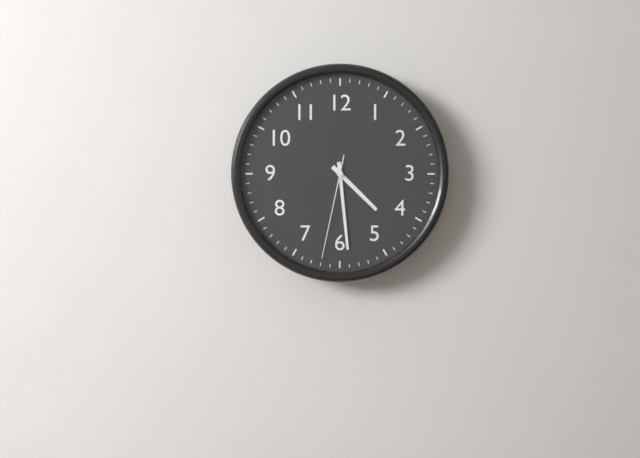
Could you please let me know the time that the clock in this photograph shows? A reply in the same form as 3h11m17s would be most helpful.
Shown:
4h29m32s
